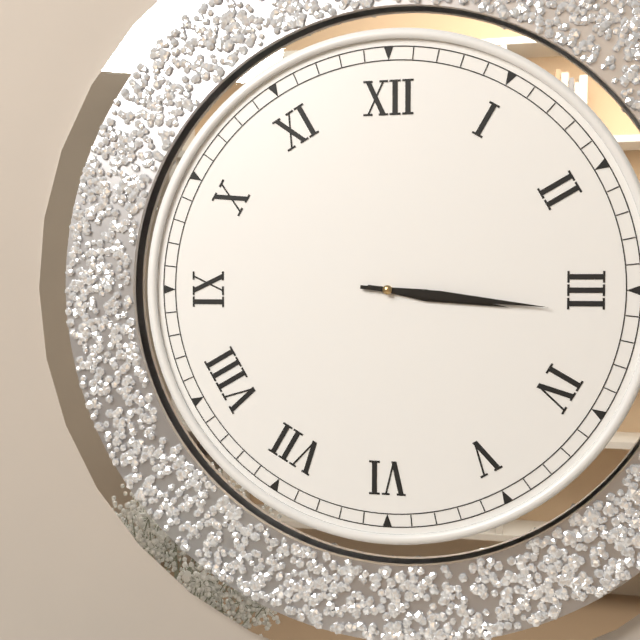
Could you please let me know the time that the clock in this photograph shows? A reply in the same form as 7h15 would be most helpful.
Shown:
3h16
